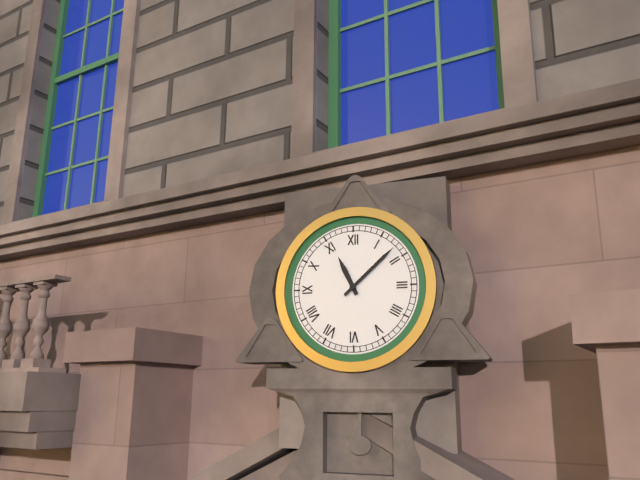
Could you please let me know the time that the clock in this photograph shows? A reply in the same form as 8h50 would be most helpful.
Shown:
11h08
